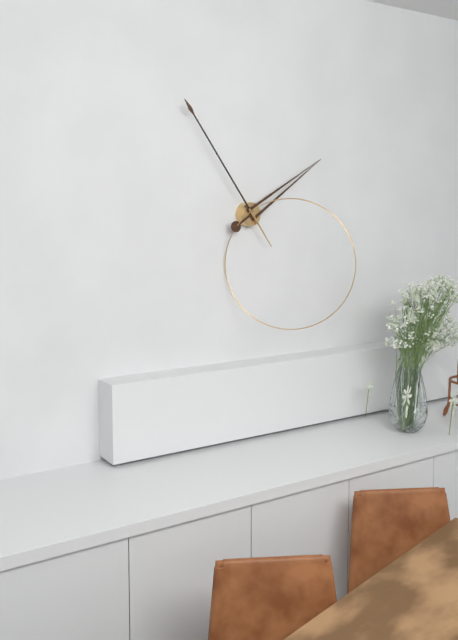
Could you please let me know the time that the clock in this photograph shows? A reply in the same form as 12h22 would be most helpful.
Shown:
1h54
